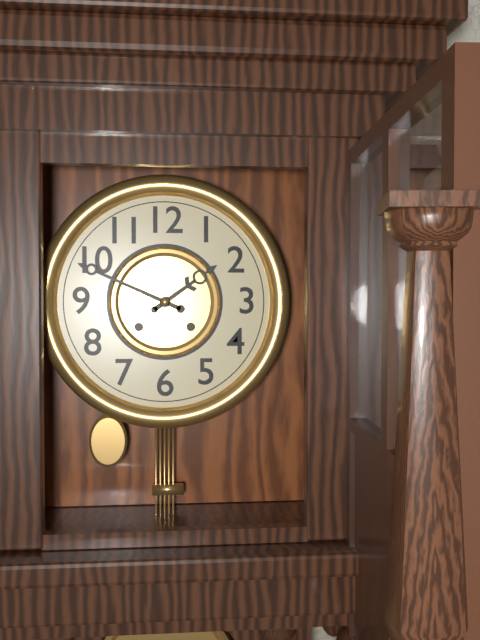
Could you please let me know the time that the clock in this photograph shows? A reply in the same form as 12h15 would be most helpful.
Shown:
1h49
